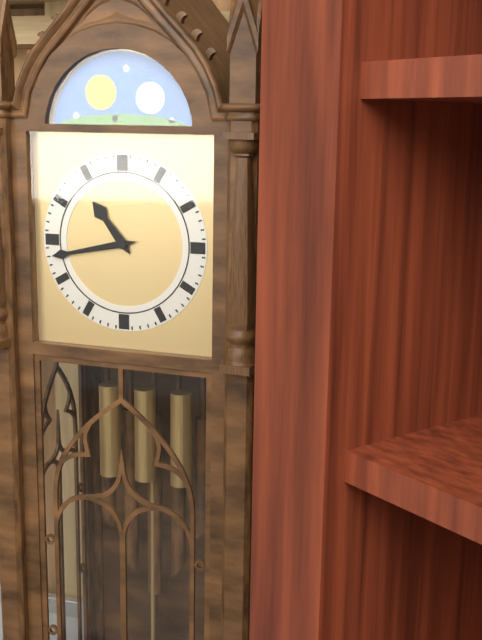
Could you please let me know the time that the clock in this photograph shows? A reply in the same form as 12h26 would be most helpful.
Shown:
10h43
